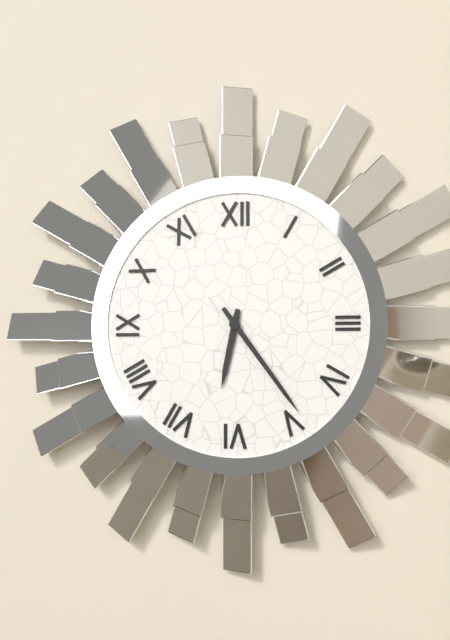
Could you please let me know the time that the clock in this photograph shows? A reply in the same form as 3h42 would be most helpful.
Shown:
6h24
